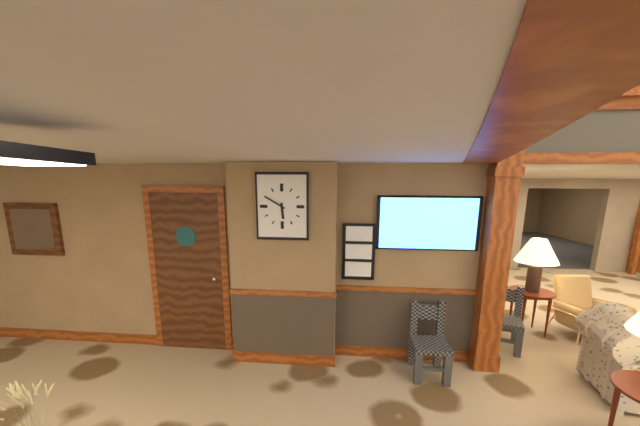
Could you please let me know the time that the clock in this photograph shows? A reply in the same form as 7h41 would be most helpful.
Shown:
5h50
